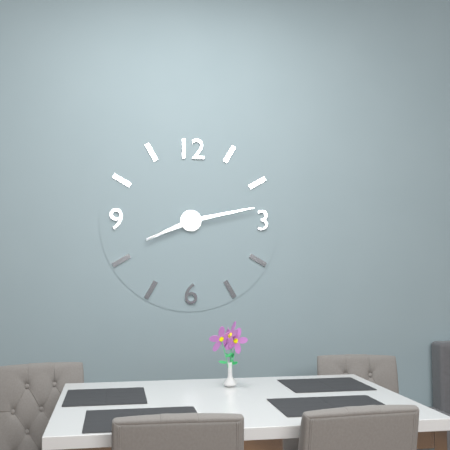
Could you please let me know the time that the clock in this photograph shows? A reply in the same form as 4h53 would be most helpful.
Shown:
8h13
